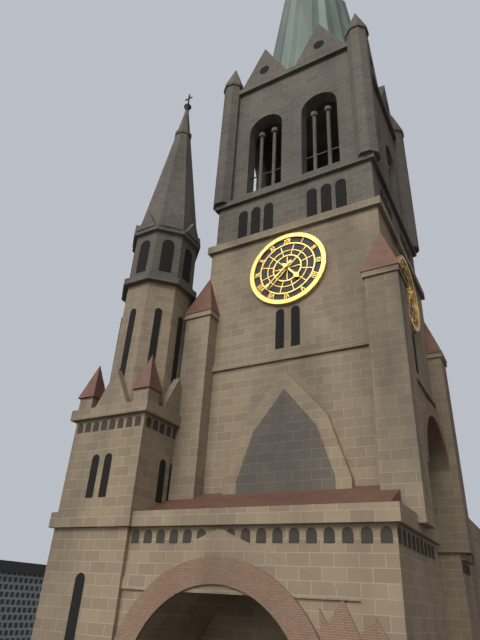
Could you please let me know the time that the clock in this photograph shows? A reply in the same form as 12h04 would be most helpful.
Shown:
4h38
